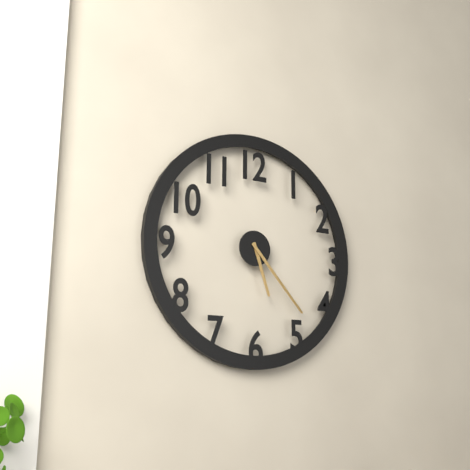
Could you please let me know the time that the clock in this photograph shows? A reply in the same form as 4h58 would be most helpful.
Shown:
5h23
